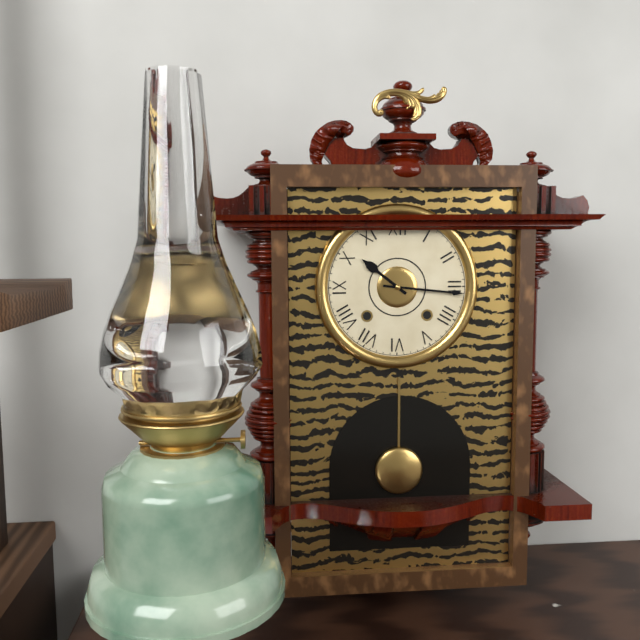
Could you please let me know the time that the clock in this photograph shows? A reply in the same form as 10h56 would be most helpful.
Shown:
10h16
